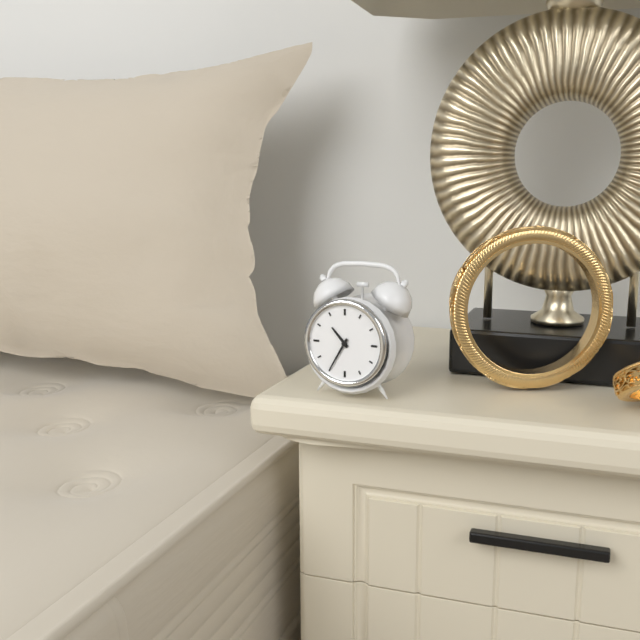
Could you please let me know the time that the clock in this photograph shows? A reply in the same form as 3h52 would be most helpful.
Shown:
10h35
